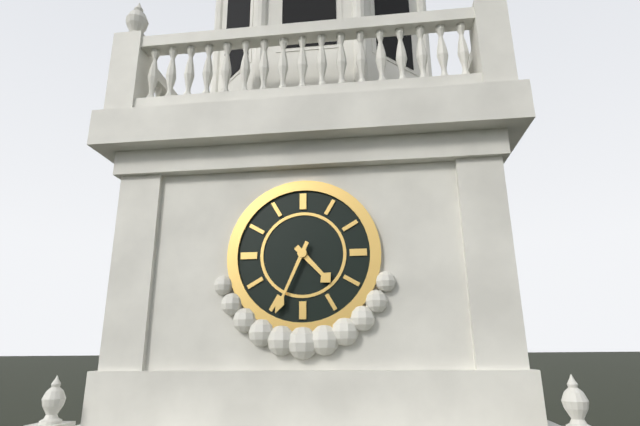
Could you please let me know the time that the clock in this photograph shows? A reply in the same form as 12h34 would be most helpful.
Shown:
4h34
